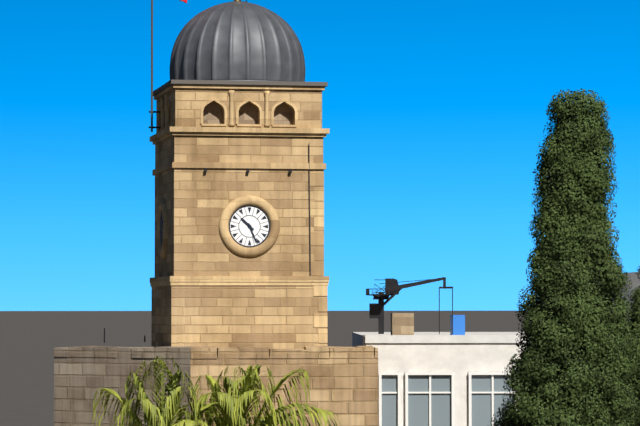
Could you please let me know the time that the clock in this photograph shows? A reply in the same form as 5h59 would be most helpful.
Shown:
10h26
